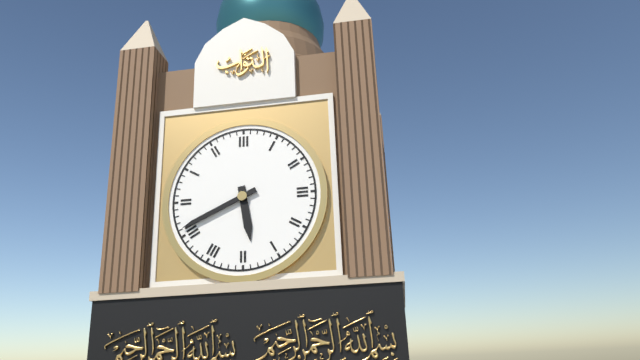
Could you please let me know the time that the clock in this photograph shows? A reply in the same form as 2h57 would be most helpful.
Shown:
5h41
